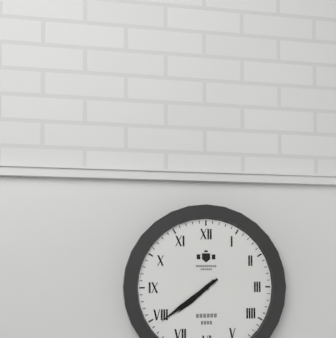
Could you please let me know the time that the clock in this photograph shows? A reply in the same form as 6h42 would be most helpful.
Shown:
7h39
